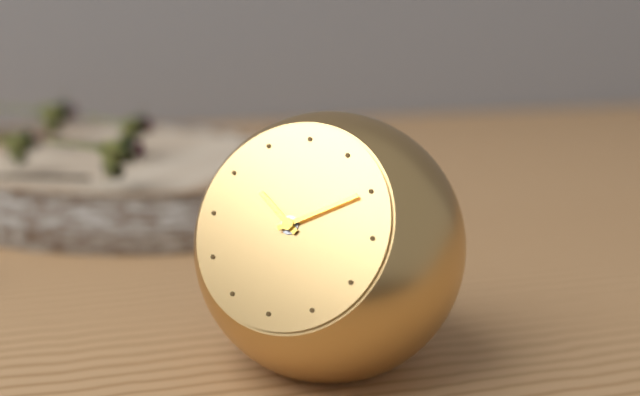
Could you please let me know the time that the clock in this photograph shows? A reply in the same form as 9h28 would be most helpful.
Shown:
10h10
